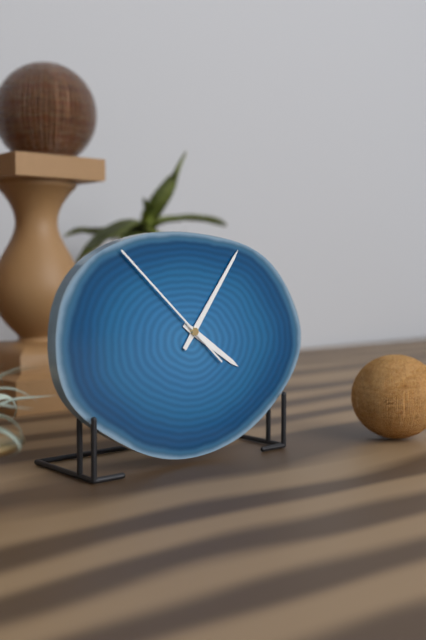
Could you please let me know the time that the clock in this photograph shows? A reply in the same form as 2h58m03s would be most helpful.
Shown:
4h06m52s
